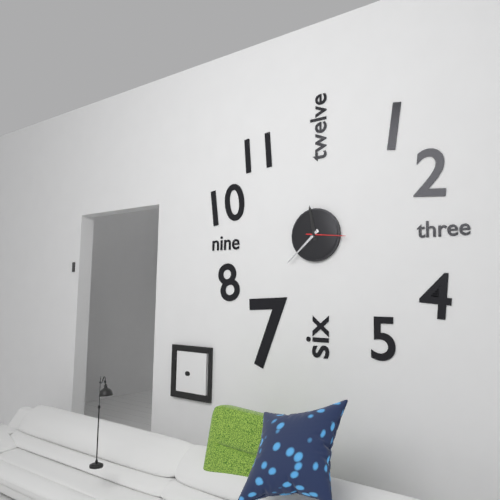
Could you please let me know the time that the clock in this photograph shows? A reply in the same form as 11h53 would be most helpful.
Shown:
11h38
